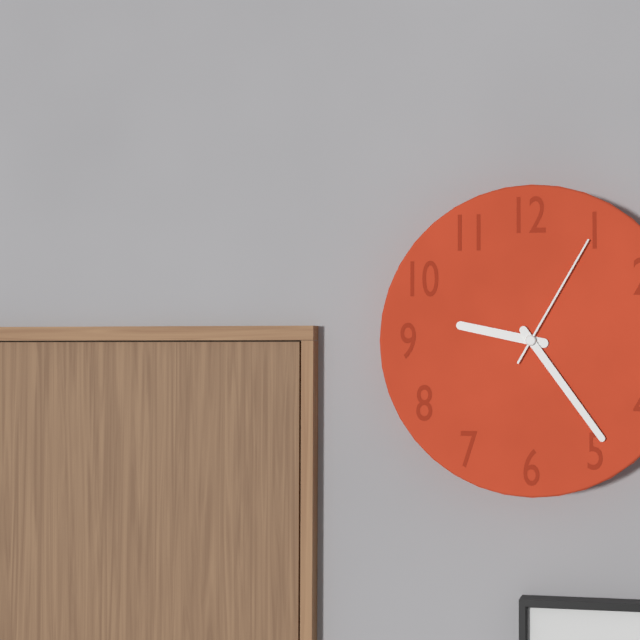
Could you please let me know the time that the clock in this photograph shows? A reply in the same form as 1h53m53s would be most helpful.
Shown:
9h24m05s
